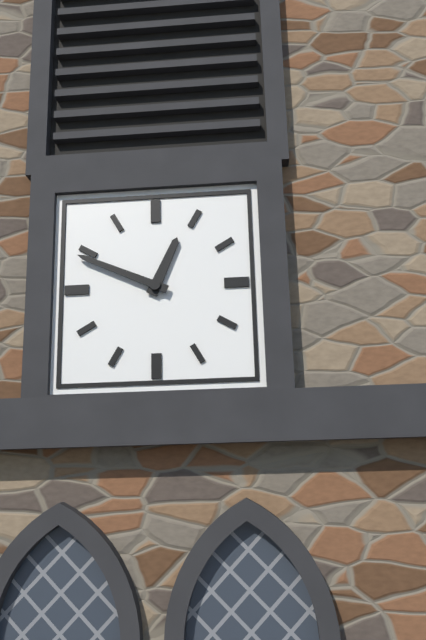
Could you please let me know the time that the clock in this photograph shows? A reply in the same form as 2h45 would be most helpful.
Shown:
12h49
